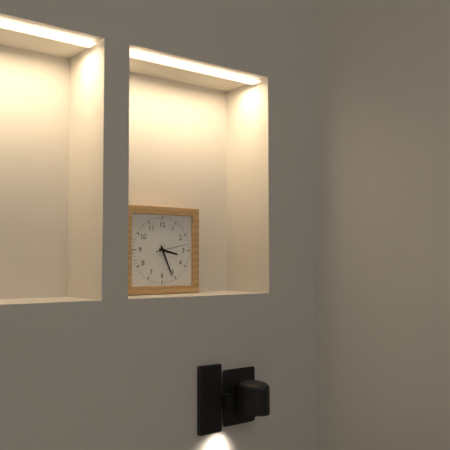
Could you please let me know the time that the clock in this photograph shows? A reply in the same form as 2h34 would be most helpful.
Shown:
3h26
